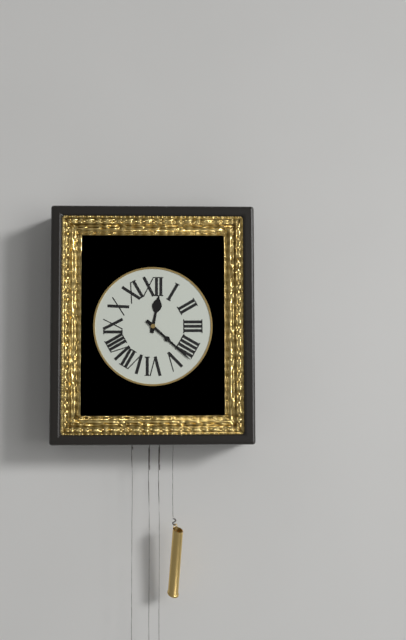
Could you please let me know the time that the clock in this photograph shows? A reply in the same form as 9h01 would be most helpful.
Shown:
12h22
